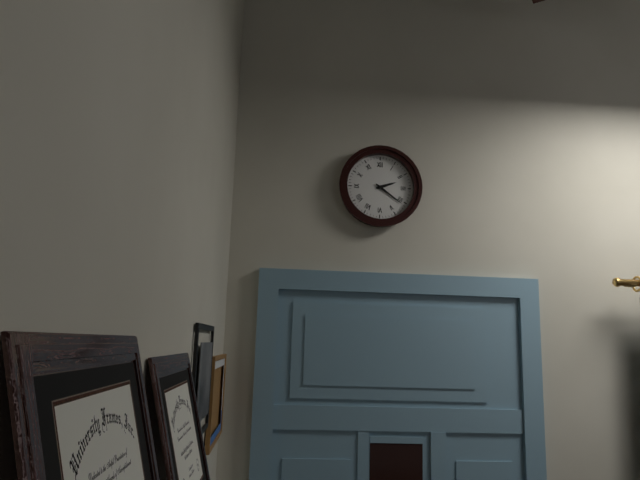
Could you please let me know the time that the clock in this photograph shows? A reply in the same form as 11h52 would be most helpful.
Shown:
2h21
